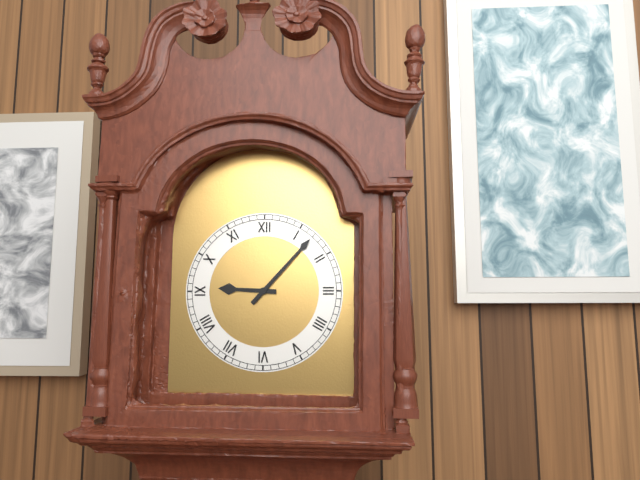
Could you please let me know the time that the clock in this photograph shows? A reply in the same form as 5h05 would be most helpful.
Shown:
9h07
